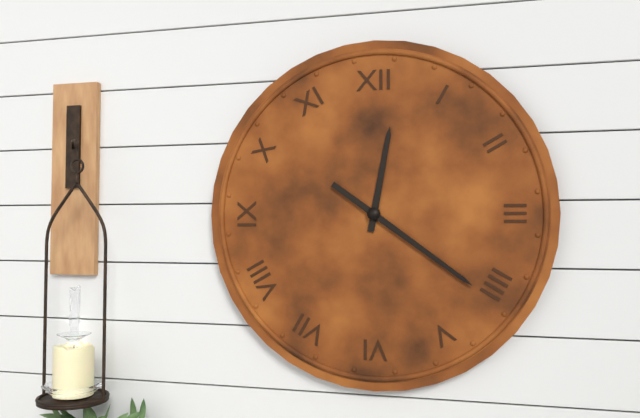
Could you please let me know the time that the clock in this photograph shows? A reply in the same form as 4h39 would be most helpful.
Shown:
12h21
